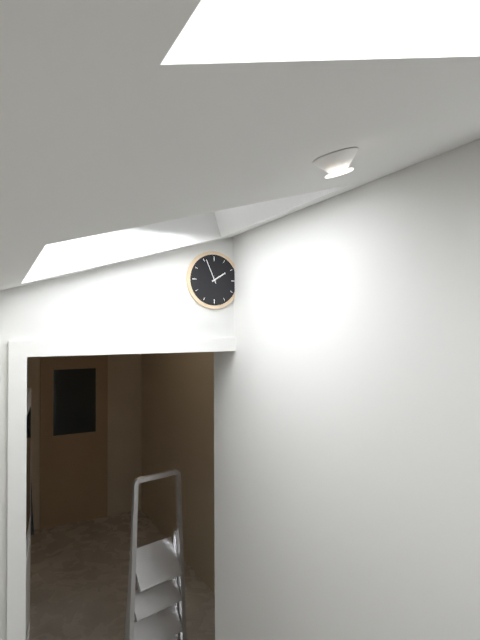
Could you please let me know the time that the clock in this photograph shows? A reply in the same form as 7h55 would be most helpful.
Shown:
1h56
